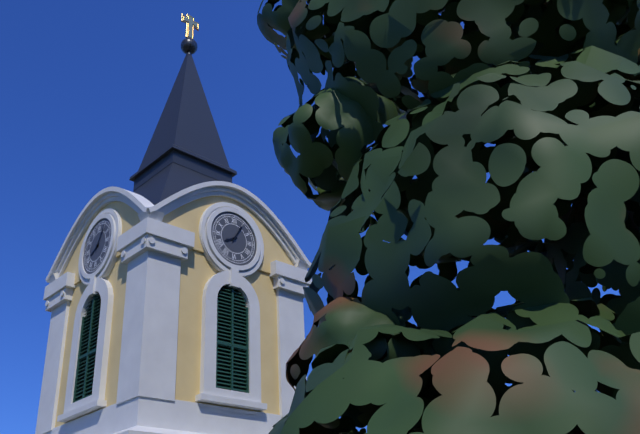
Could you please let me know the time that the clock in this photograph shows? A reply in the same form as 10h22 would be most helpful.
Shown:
8h05
